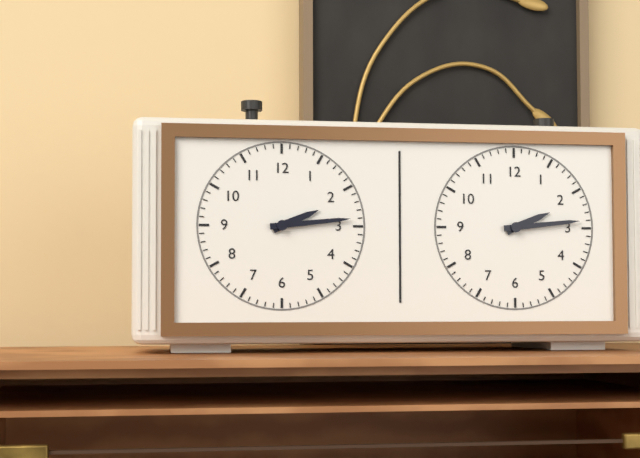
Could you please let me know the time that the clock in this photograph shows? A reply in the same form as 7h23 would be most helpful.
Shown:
2h14
